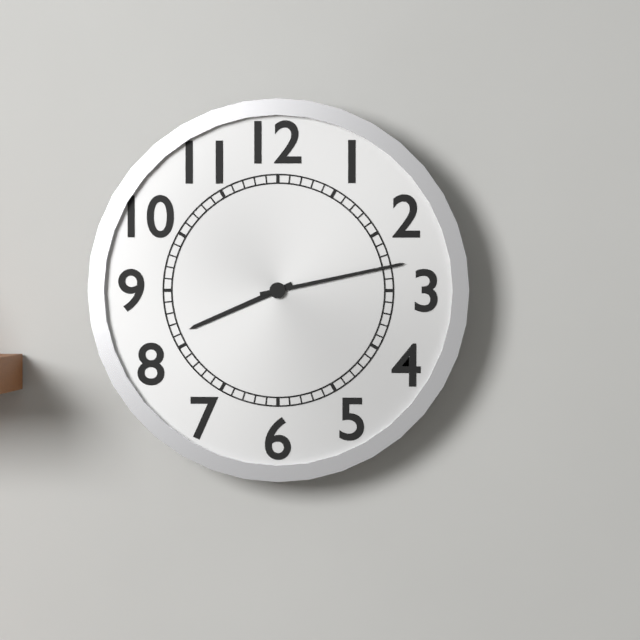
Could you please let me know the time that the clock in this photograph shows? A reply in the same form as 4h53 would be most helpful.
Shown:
8h13
